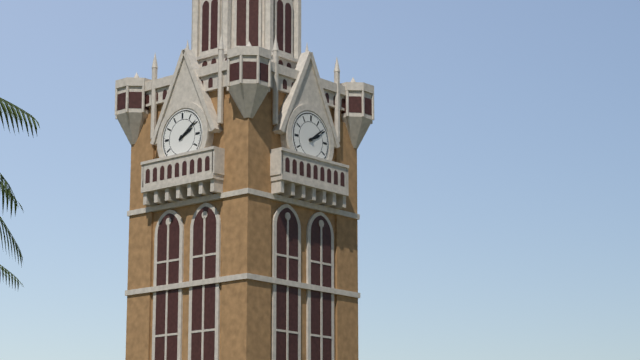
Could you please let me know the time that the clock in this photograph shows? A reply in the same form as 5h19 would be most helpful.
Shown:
2h09
